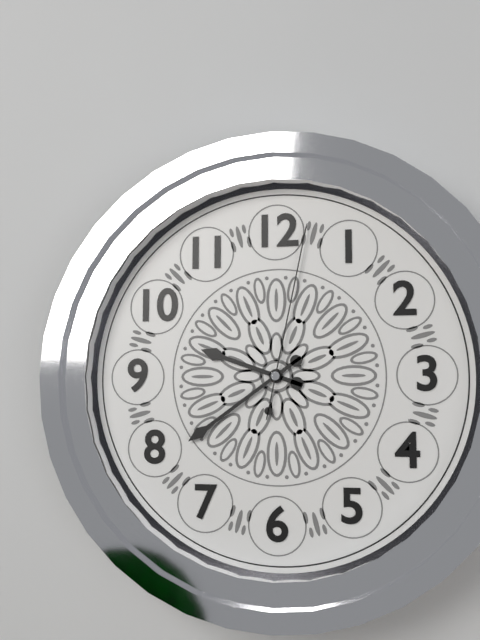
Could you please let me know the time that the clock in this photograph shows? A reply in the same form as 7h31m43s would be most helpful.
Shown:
9h39m02s
